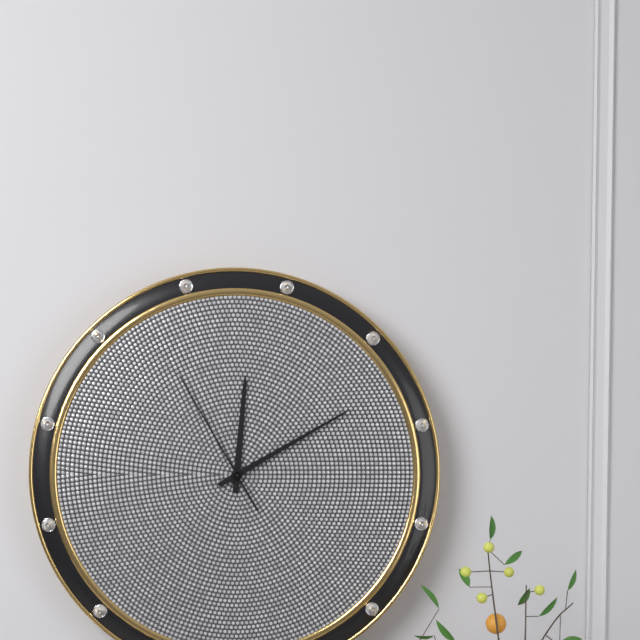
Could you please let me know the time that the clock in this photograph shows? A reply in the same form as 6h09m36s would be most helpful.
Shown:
12h10m55s
